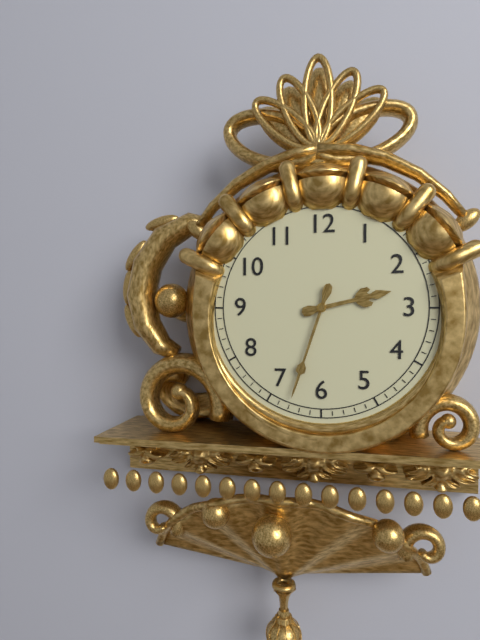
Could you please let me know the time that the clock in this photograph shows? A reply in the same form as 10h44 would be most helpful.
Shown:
2h33
